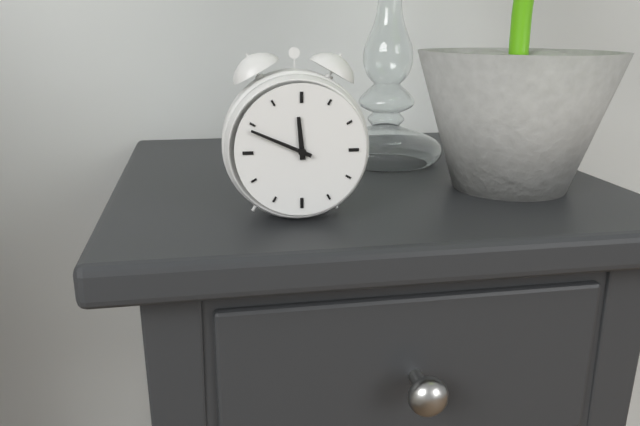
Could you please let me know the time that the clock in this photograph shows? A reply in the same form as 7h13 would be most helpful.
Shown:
11h49
